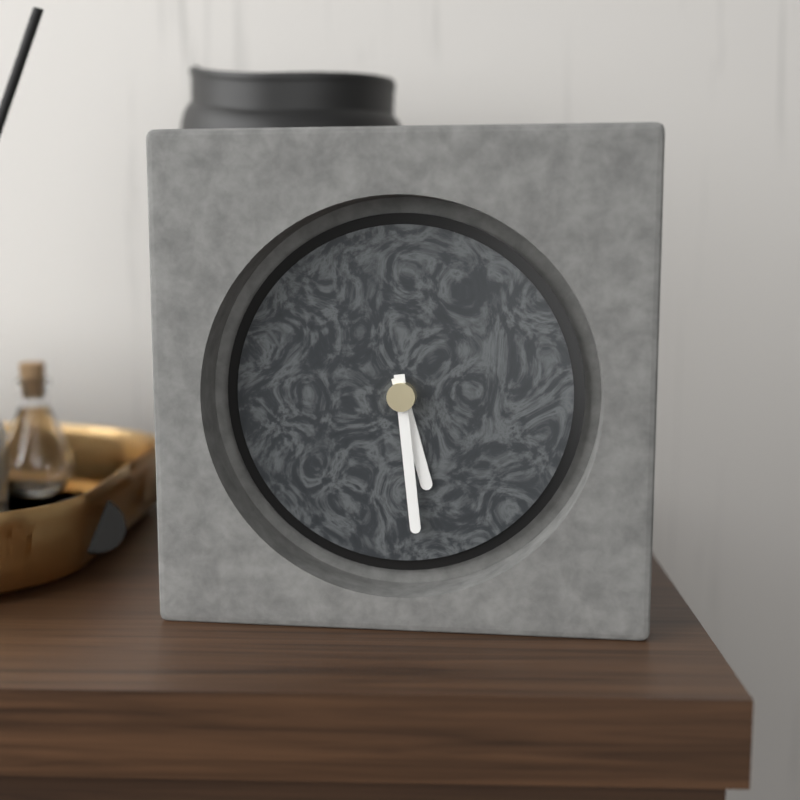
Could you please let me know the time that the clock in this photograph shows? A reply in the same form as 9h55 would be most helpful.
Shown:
5h29
